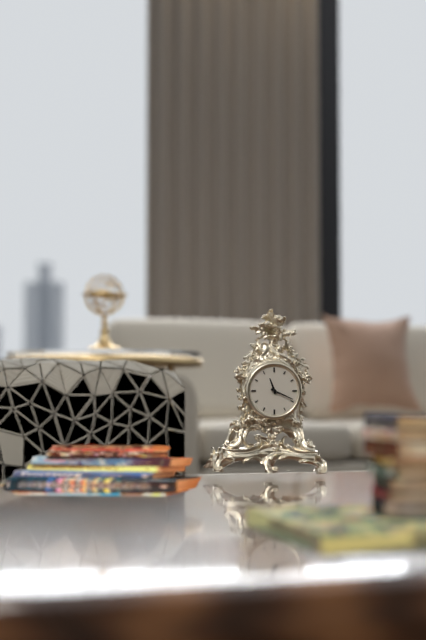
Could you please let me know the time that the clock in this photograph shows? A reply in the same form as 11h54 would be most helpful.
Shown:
11h19
